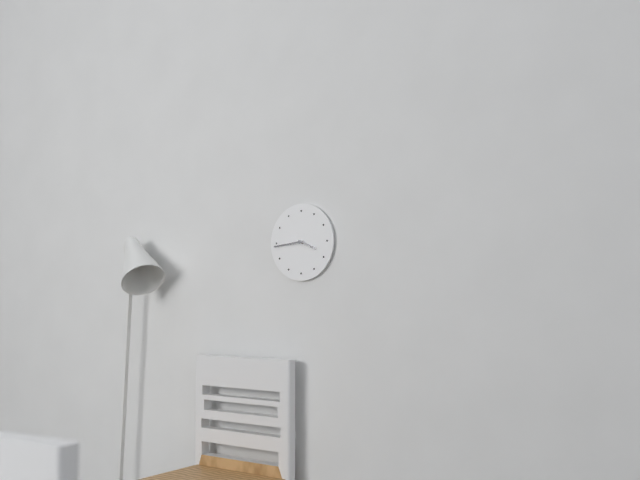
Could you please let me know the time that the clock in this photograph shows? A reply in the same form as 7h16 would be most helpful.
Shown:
3h44
